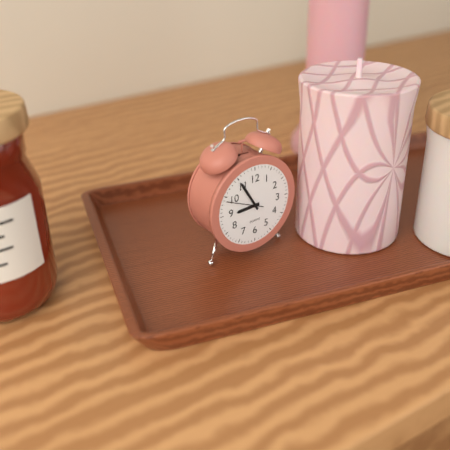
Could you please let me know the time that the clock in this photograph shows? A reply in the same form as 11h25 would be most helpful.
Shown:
8h55
